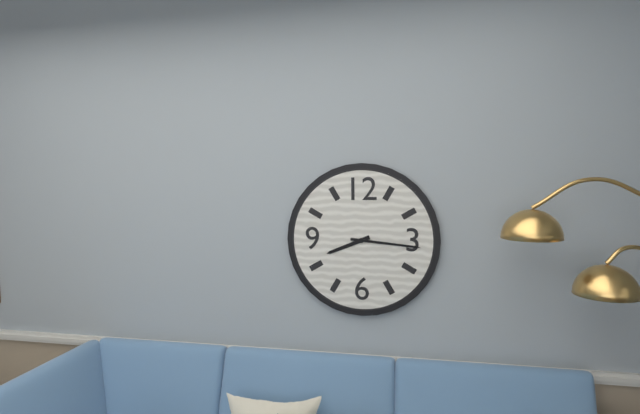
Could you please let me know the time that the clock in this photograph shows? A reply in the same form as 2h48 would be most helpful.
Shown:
8h16
